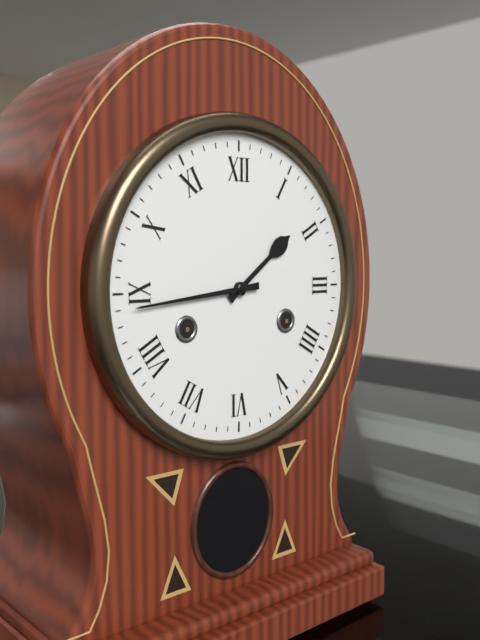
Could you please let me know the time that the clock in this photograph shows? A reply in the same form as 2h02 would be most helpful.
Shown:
1h44
